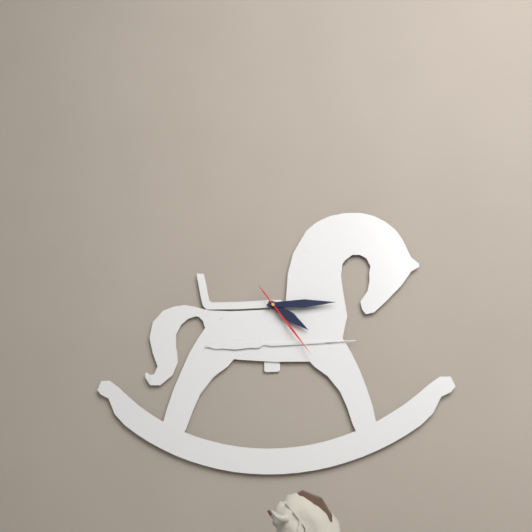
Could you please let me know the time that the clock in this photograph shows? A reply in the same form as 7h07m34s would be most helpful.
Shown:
4h15m24s
